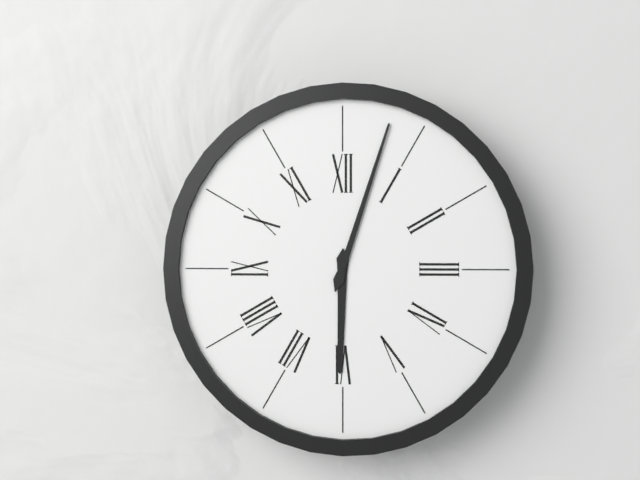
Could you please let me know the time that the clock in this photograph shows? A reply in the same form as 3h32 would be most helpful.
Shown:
6h03
